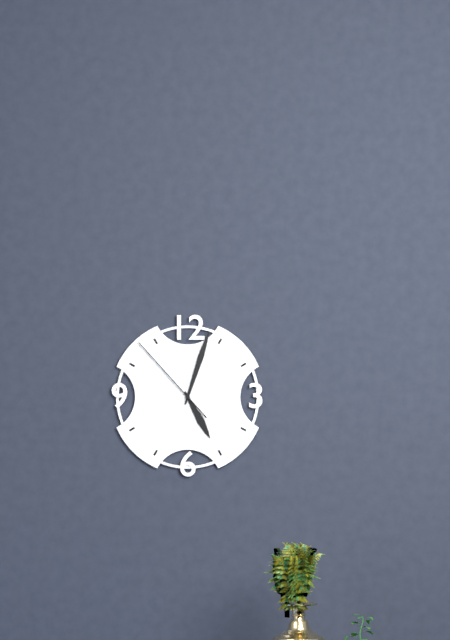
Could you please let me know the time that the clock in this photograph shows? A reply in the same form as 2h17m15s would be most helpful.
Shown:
5h03m53s
